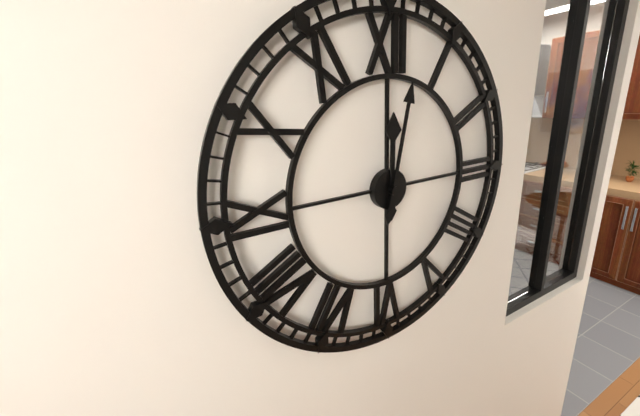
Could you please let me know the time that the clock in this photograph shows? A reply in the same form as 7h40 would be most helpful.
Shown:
12h02
